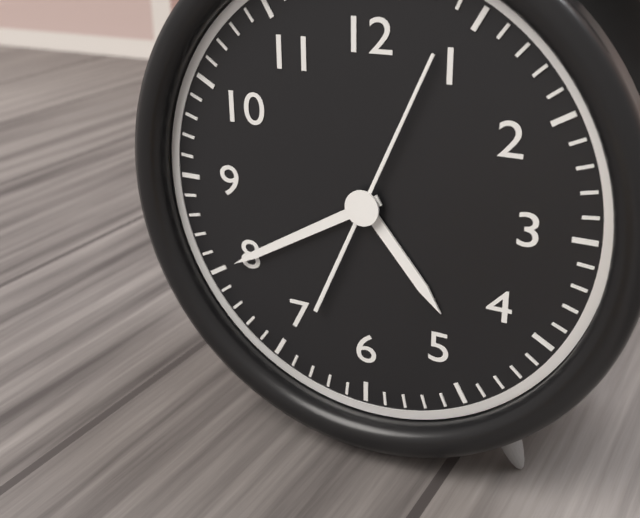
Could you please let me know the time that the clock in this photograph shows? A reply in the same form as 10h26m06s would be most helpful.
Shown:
4h40m04s
